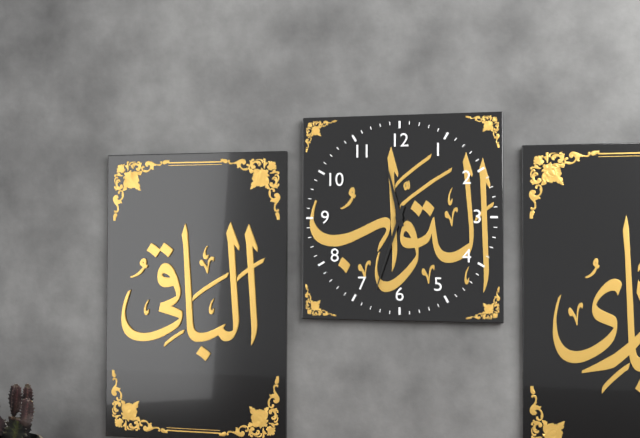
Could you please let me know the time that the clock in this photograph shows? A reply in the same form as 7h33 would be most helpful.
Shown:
11h33
